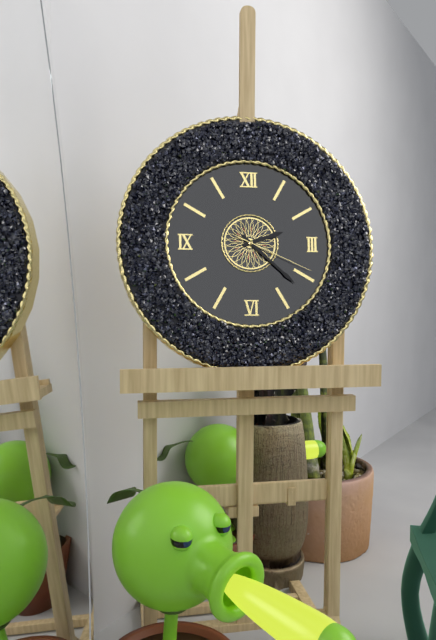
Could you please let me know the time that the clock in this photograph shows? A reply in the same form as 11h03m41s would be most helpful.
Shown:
2h22m19s
